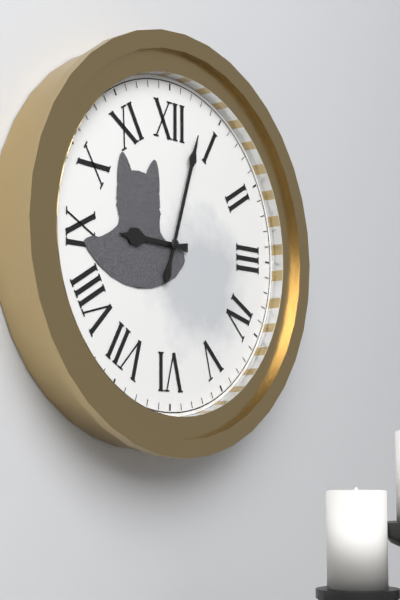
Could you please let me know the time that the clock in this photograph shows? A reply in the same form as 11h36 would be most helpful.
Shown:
9h03
